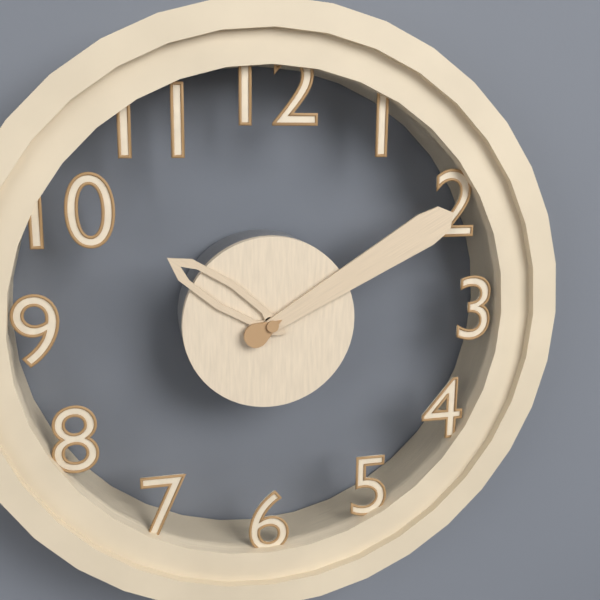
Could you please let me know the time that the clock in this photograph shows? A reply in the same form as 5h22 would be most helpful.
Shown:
10h10
